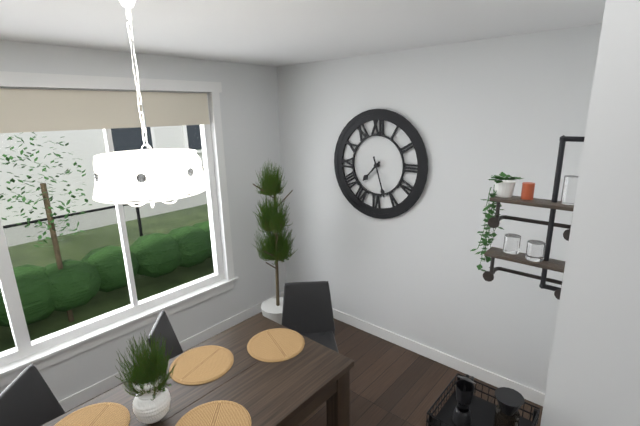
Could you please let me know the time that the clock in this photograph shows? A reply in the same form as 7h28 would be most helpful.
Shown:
7h27
